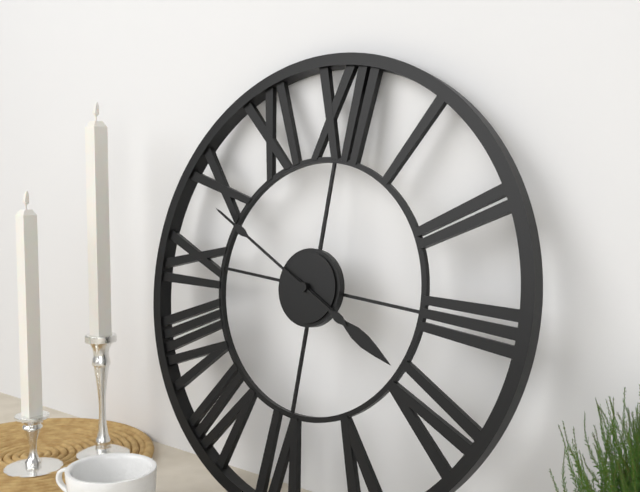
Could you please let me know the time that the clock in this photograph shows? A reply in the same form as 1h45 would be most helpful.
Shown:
3h49
